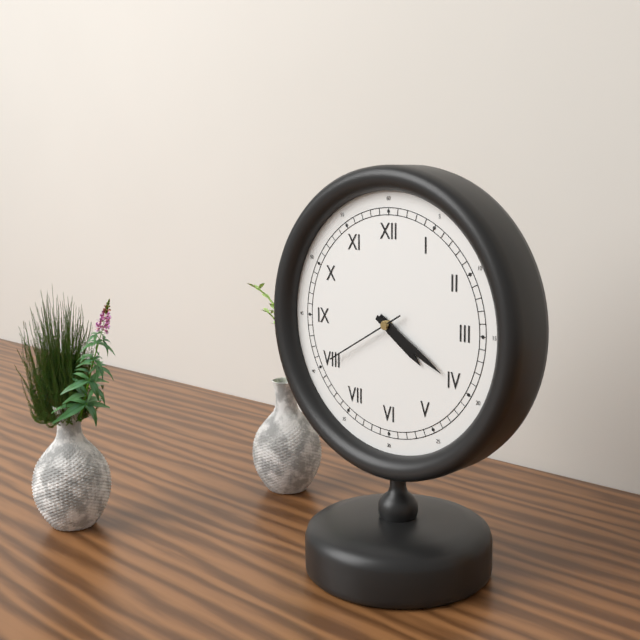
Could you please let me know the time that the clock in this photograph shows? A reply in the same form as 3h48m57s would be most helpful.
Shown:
4h20m40s
